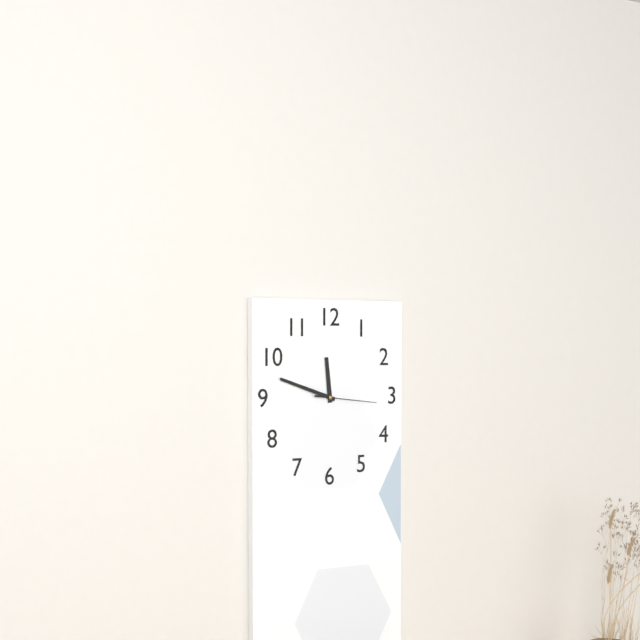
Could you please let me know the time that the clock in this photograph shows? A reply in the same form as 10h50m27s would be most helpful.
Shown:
11h48m16s
